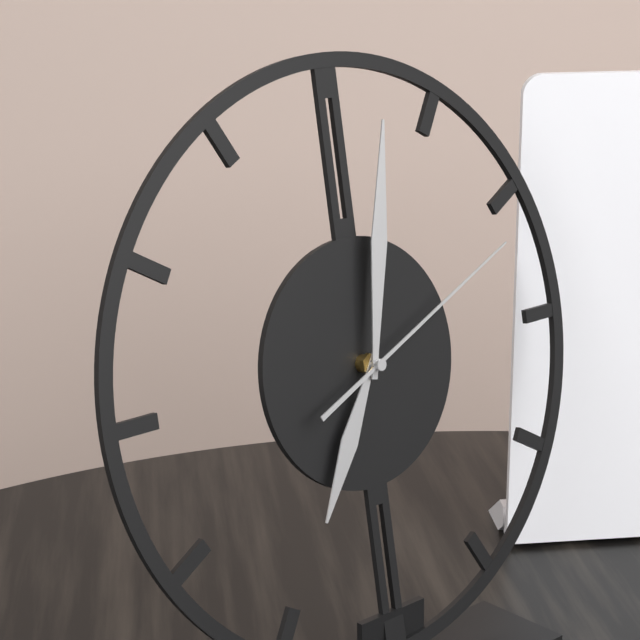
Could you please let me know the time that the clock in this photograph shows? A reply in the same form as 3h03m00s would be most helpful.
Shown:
7h02m11s
